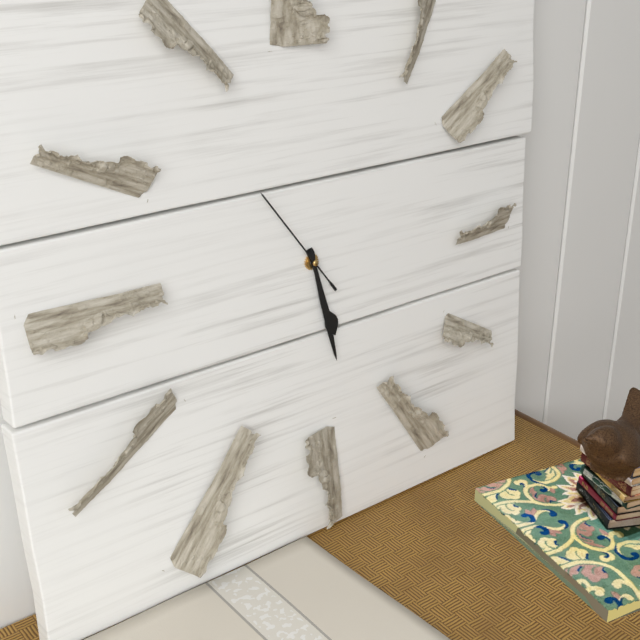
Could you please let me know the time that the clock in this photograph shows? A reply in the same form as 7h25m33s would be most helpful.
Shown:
5h28m54s
